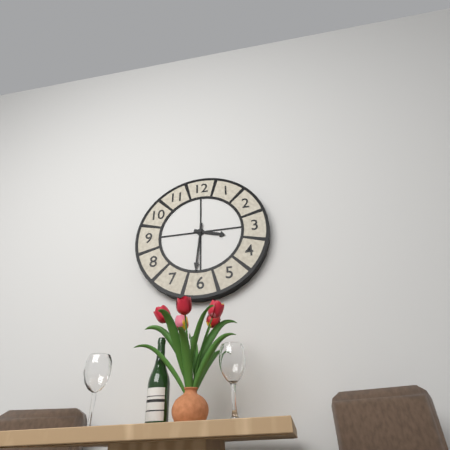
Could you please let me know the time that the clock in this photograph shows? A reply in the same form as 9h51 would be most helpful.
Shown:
3h31
